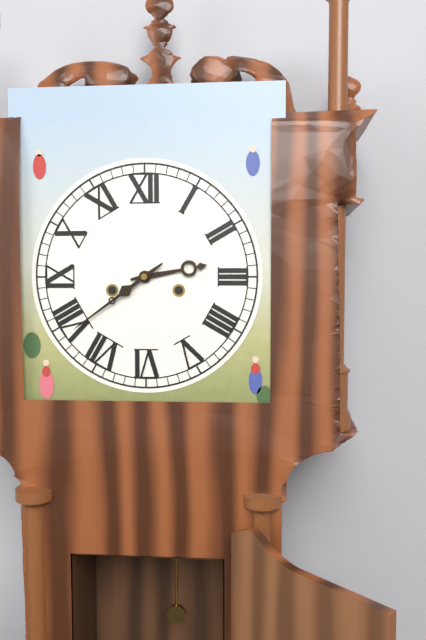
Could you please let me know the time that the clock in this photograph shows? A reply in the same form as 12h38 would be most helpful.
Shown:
2h39
